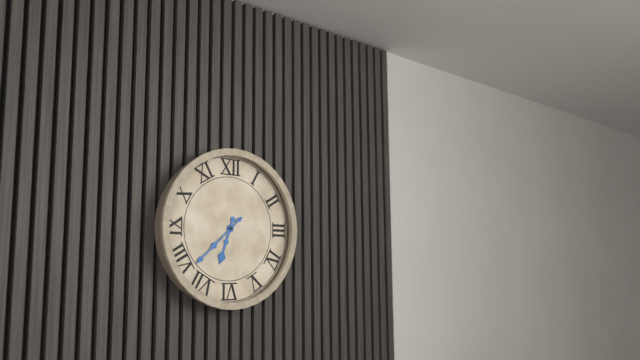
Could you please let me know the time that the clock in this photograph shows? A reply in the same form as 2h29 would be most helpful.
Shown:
6h38
